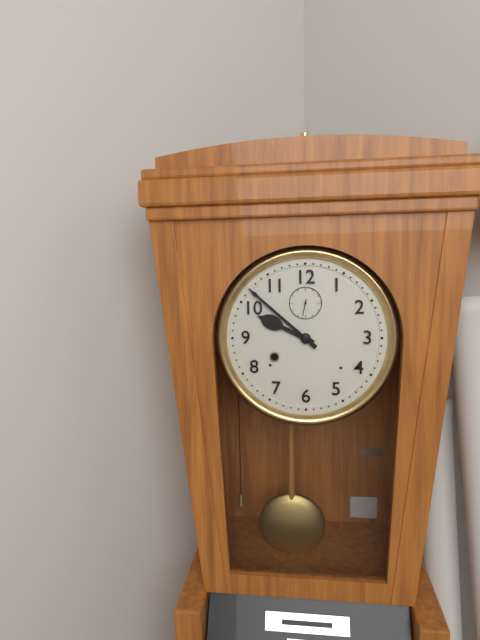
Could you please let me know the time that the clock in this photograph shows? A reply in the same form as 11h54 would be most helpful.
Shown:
9h52
